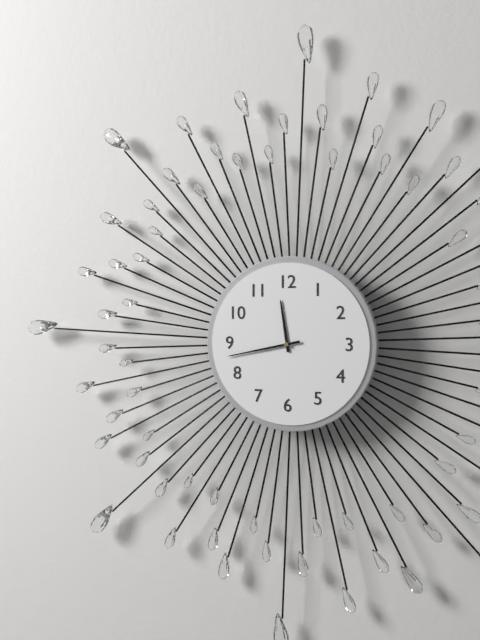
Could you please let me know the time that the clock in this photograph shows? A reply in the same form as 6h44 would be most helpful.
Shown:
11h43
